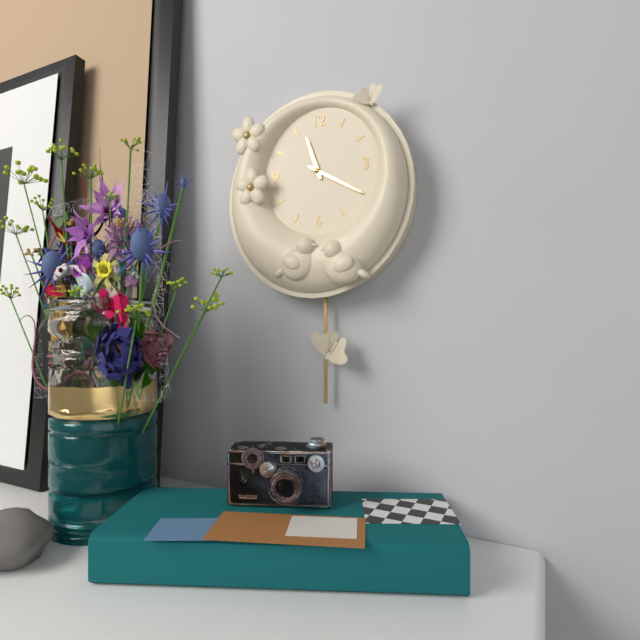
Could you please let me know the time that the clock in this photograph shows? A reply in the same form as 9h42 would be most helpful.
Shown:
11h20
